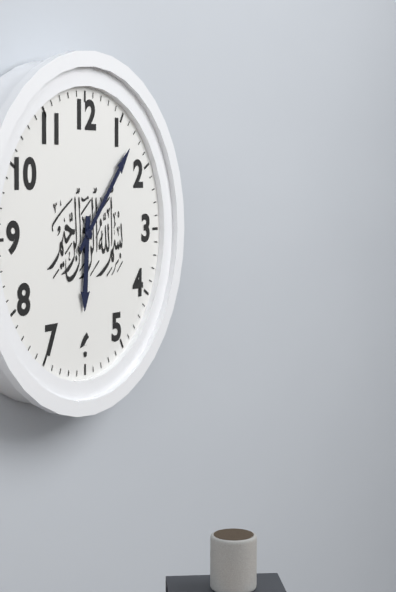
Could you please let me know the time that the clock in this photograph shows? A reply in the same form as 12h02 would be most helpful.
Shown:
6h07
